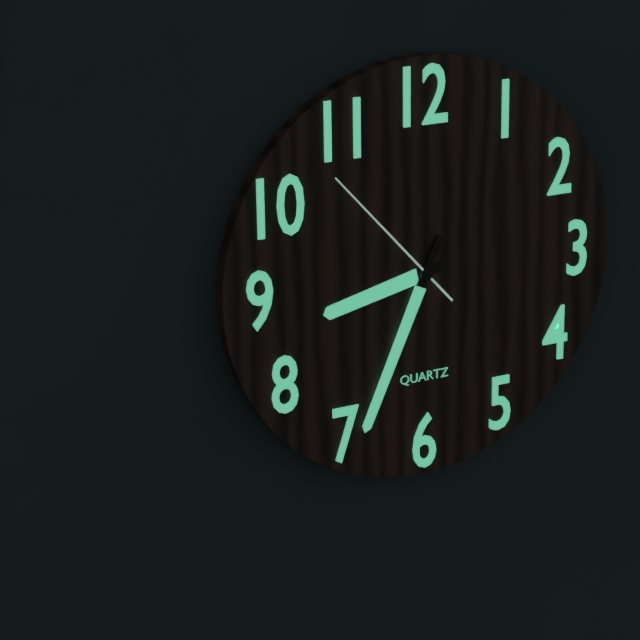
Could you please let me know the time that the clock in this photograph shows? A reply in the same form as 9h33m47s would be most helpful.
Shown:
8h34m53s
